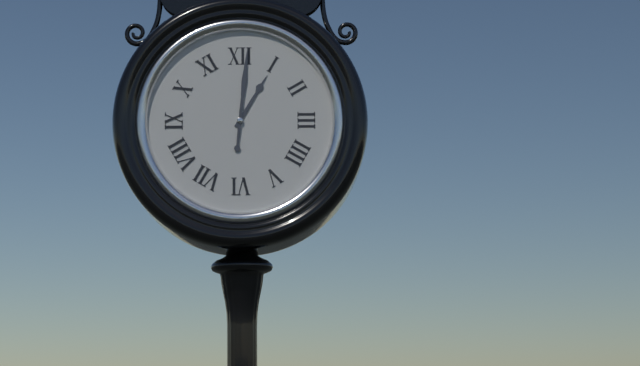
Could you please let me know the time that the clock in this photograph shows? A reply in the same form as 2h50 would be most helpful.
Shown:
1h01
